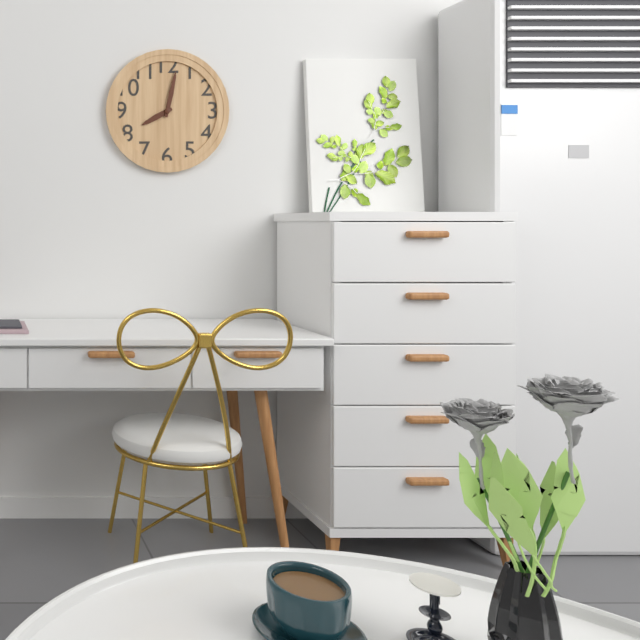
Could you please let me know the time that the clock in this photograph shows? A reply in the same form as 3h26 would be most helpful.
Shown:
8h02
